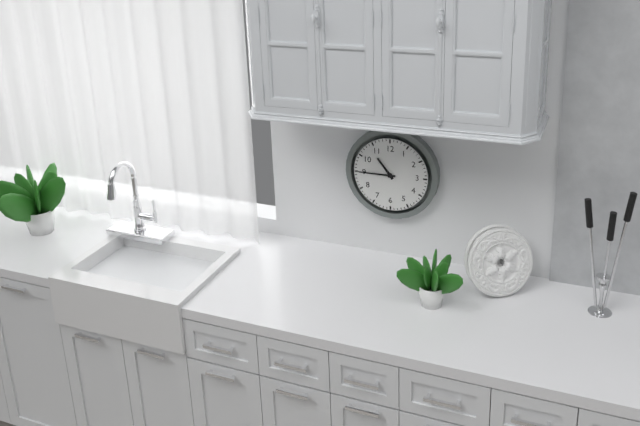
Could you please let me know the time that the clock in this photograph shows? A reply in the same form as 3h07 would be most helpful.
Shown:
10h45
